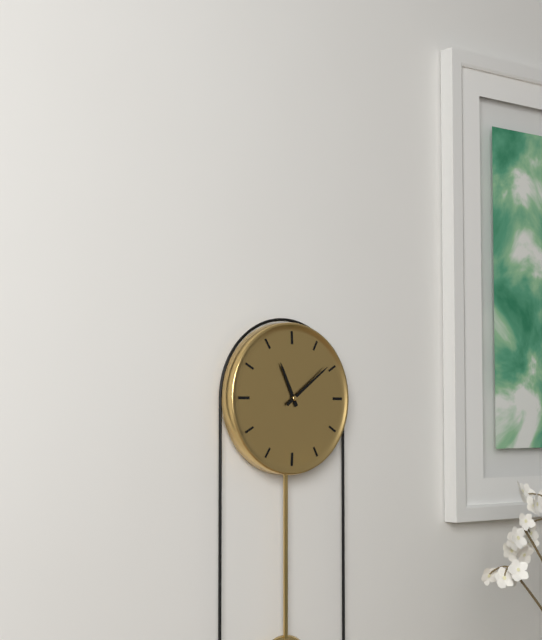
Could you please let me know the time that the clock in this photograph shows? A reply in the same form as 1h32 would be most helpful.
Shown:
11h09
